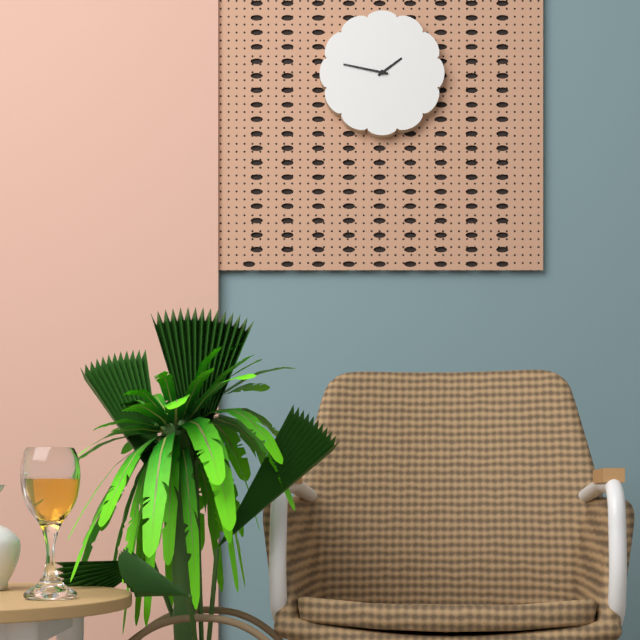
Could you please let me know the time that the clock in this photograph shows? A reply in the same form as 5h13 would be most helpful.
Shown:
1h47
